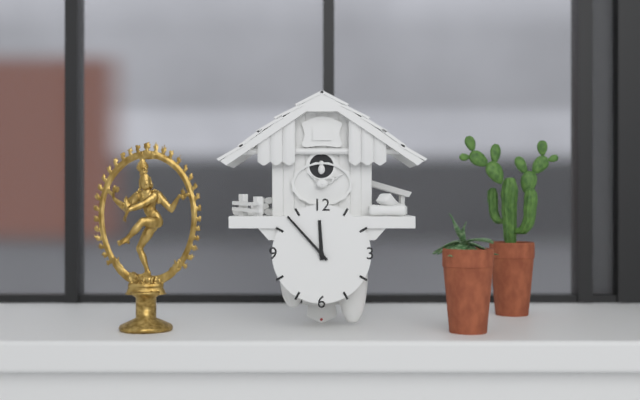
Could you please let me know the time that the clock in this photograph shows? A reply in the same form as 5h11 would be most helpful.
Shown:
11h53
